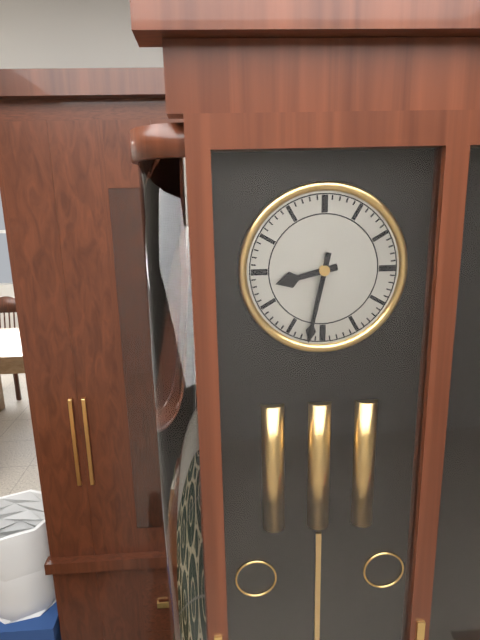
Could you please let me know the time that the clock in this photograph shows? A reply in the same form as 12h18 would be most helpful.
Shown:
8h32
